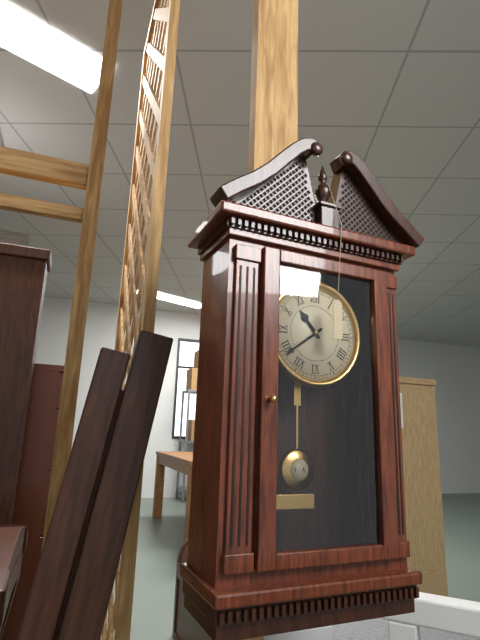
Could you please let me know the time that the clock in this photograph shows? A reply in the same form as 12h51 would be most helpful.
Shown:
10h39
